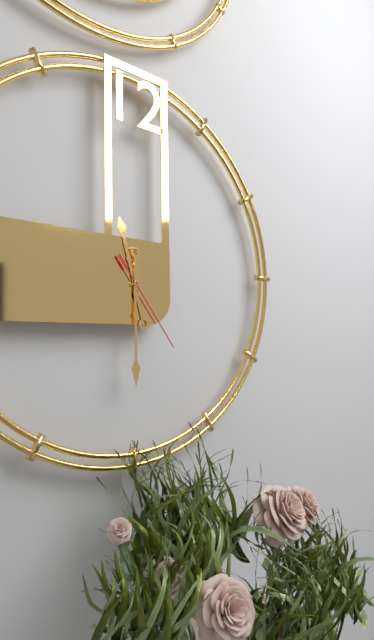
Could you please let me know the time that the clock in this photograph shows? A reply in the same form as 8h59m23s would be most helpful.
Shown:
11h30m24s
